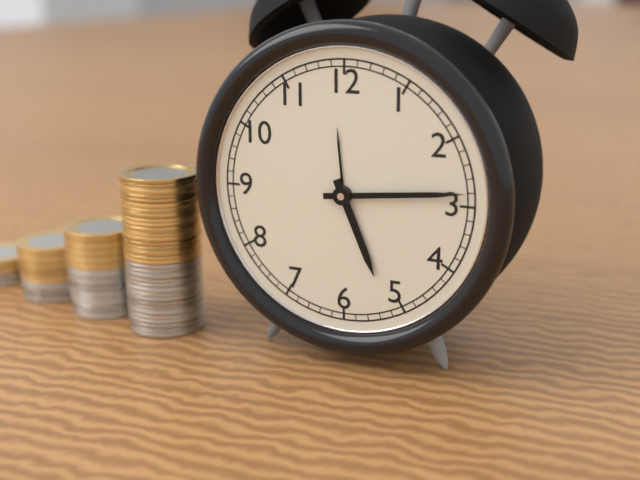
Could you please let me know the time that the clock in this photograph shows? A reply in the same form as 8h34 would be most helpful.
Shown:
5h14
